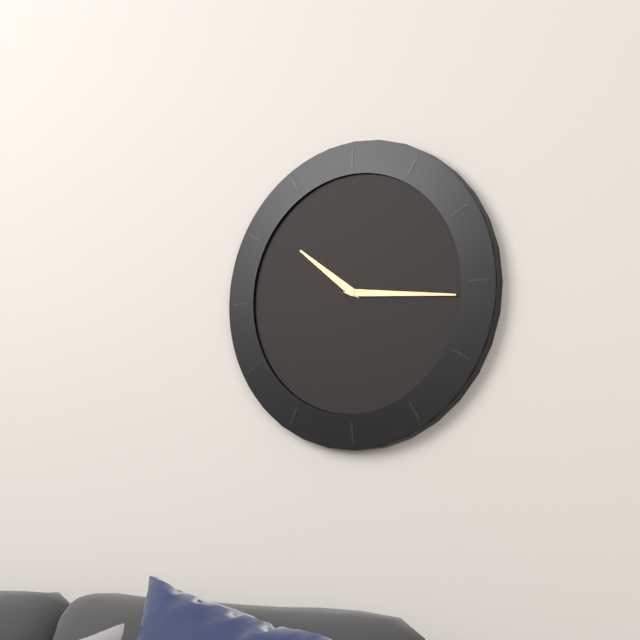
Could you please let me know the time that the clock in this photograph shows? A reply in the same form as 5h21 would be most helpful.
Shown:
10h16
